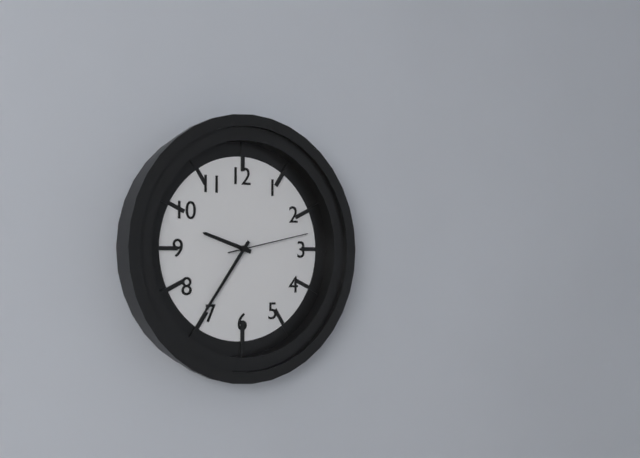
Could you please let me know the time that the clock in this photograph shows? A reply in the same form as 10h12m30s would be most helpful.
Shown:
9h36m13s
